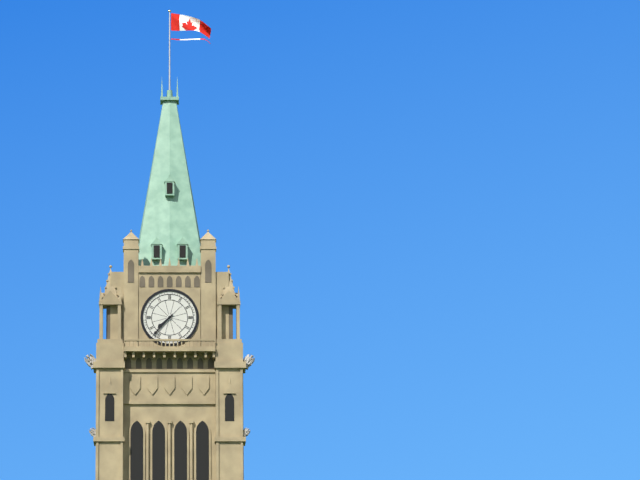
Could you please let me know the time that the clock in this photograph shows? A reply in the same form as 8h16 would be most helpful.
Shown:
7h37
